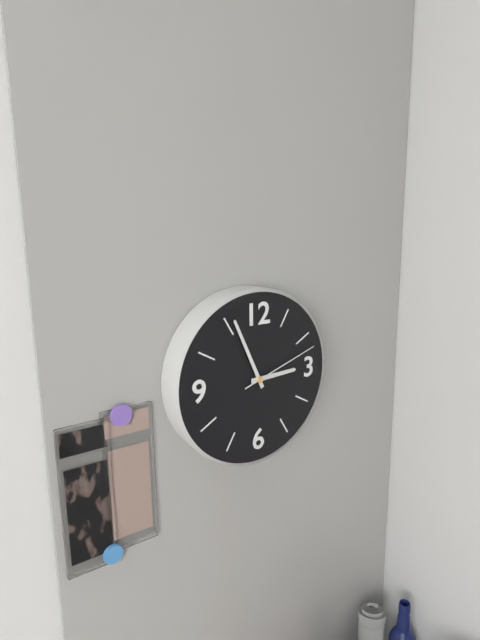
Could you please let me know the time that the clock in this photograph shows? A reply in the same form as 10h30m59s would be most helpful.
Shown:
2h56m12s
